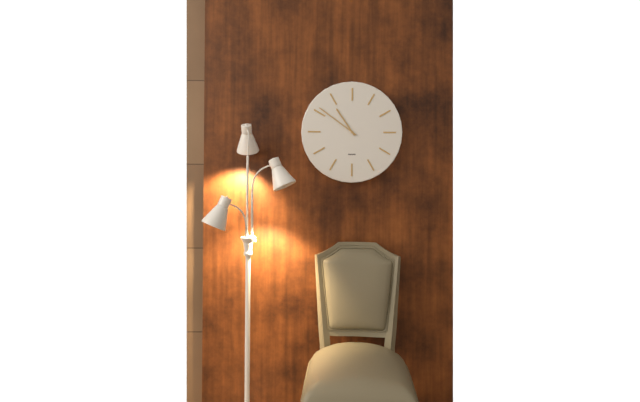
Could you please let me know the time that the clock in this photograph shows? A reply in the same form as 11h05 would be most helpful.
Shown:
10h51
